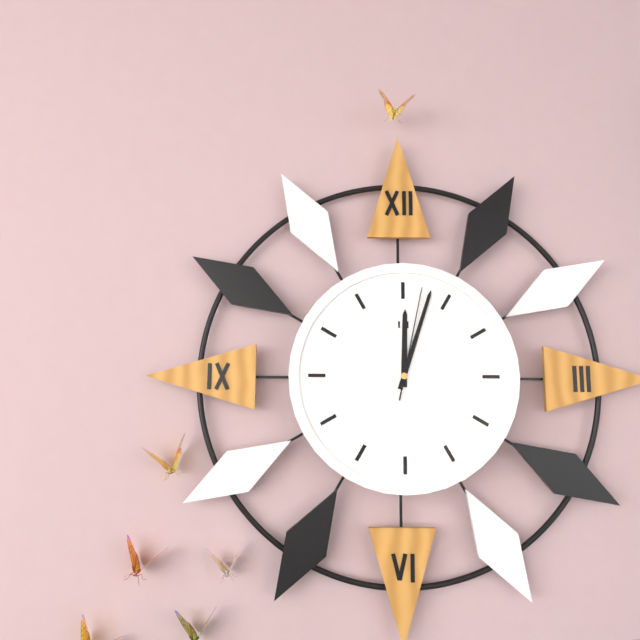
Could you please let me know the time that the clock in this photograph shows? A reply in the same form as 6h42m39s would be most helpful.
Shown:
12h03m02s
